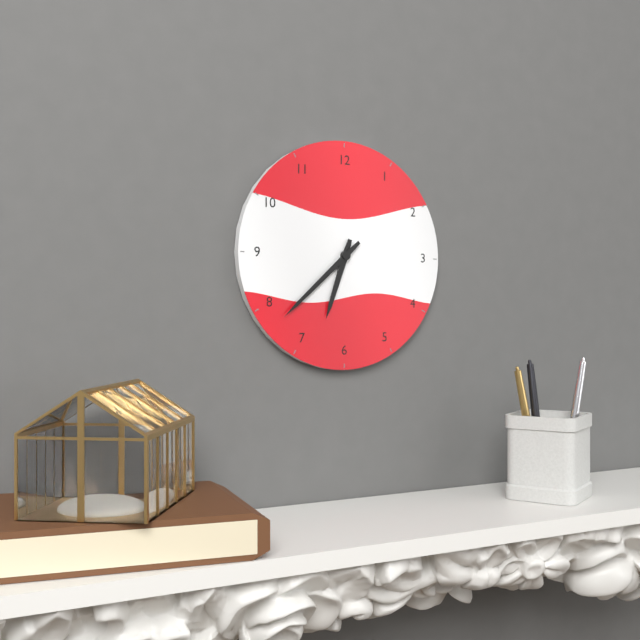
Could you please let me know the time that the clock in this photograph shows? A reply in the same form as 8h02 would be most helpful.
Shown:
6h38
